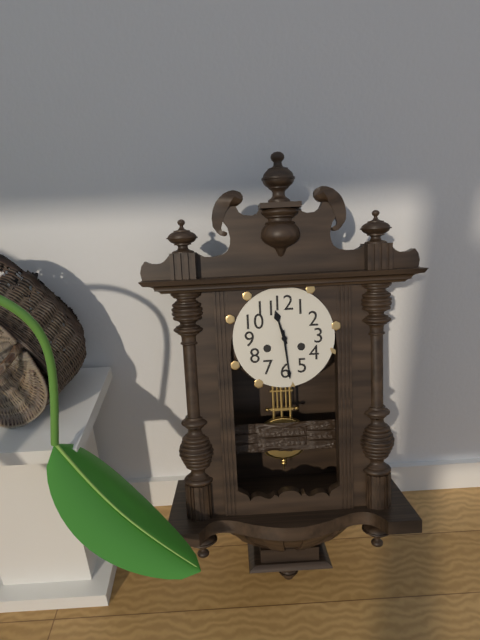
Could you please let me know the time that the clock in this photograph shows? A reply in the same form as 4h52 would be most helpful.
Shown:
11h29
